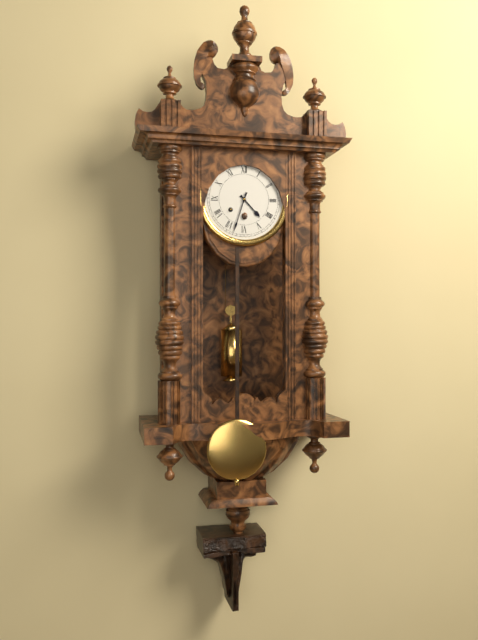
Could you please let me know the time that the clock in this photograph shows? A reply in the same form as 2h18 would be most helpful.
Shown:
4h33
